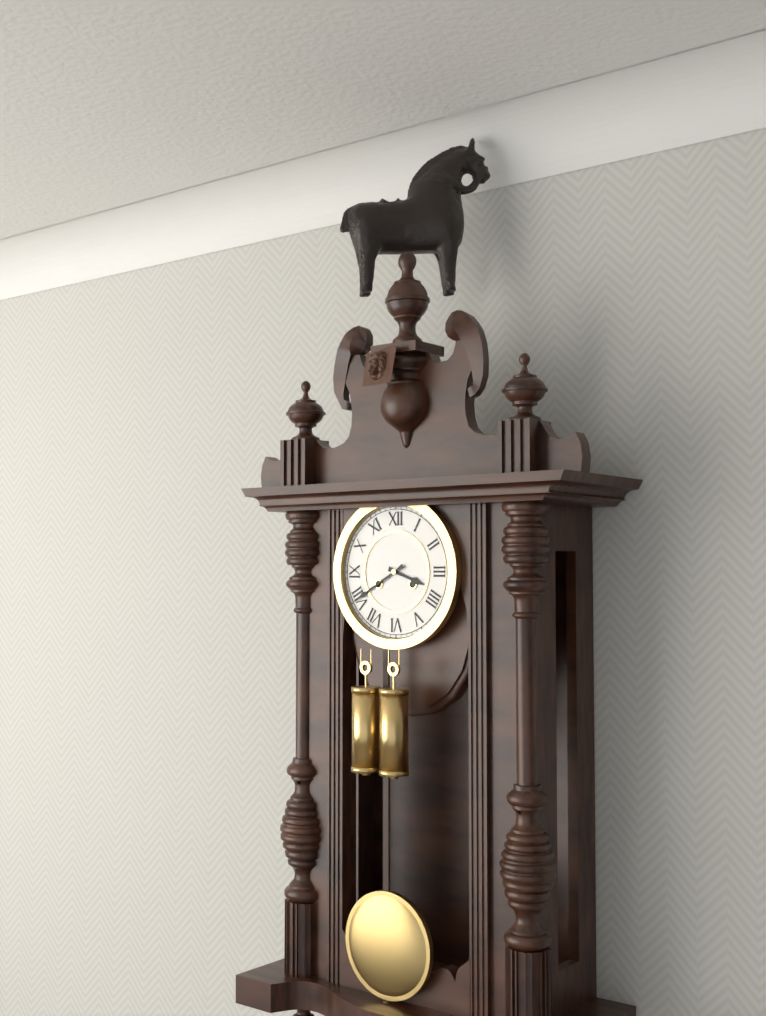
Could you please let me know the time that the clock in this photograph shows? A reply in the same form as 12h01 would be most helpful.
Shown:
3h40
